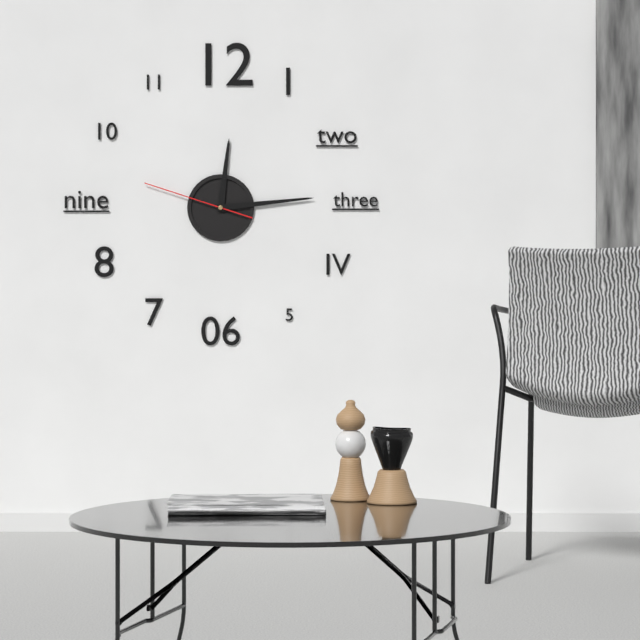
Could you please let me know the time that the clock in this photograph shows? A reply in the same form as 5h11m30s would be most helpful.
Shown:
12h14m48s
